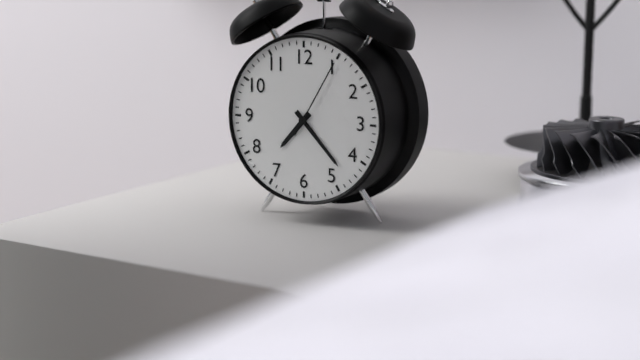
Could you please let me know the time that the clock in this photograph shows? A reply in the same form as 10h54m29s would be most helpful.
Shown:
7h23m05s
